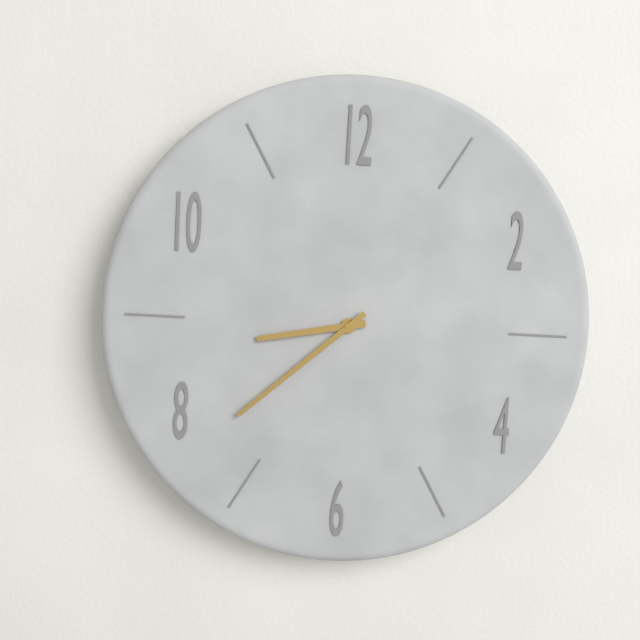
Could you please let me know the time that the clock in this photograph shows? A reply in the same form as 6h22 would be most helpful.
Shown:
8h38
